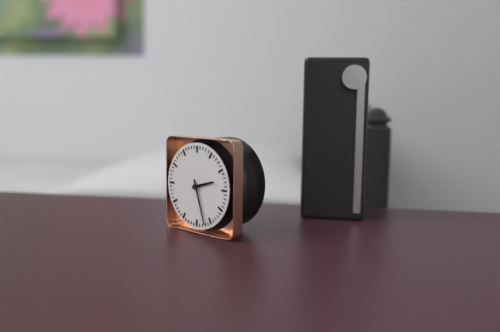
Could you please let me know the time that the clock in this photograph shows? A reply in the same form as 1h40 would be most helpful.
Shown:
2h27
